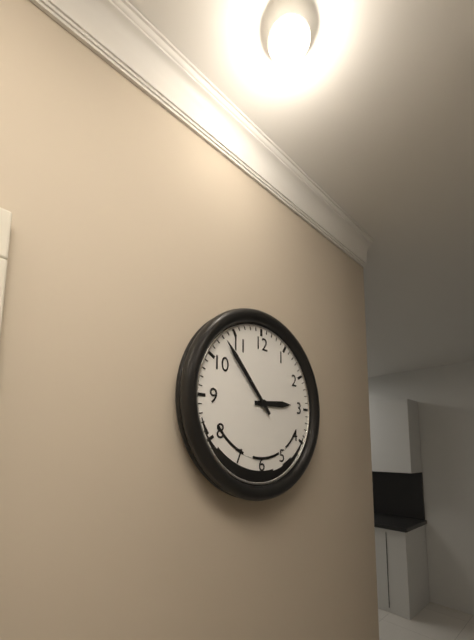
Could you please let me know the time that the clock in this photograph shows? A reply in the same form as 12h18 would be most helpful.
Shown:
2h53
